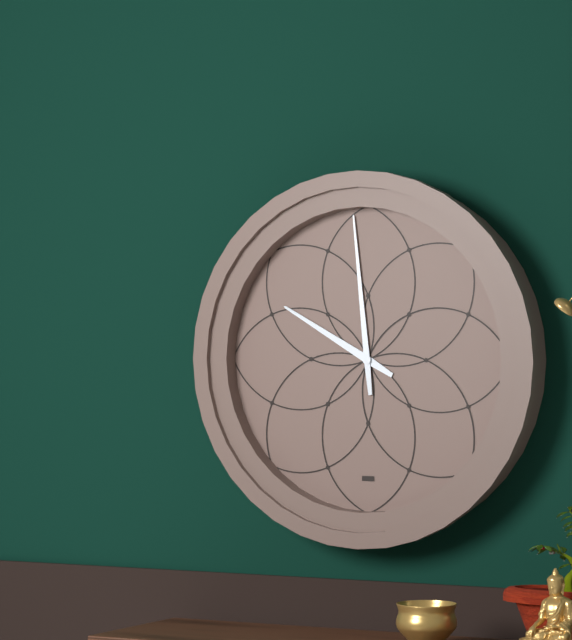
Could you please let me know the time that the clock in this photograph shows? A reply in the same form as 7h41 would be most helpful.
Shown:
9h59
